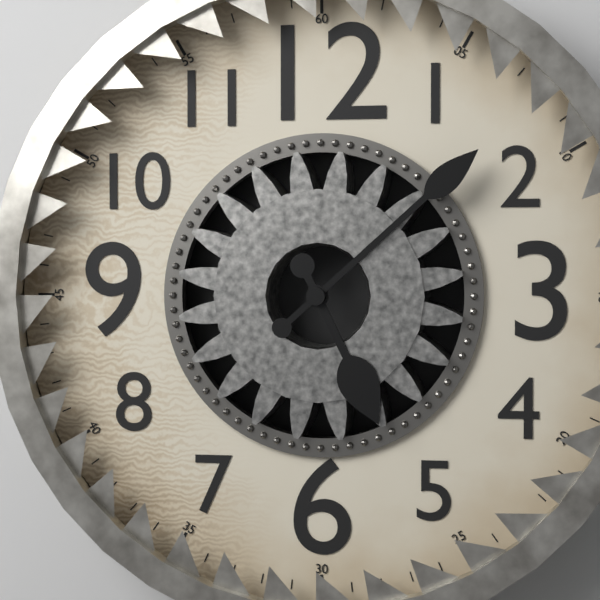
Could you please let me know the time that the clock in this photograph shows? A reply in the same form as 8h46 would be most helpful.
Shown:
5h08
